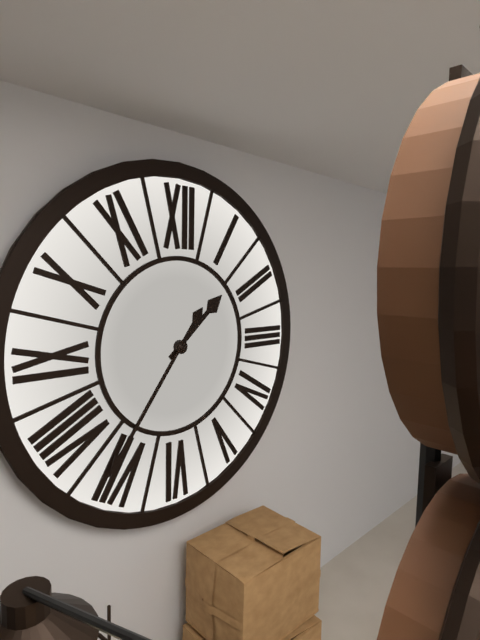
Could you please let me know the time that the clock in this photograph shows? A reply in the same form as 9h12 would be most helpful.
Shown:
1h36
